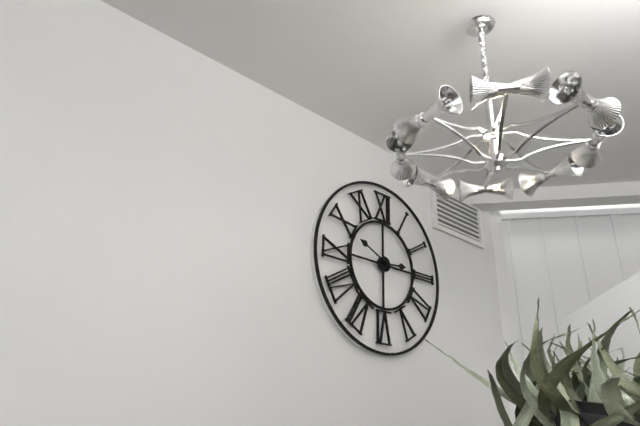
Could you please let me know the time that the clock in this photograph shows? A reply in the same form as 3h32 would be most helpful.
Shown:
2h49
